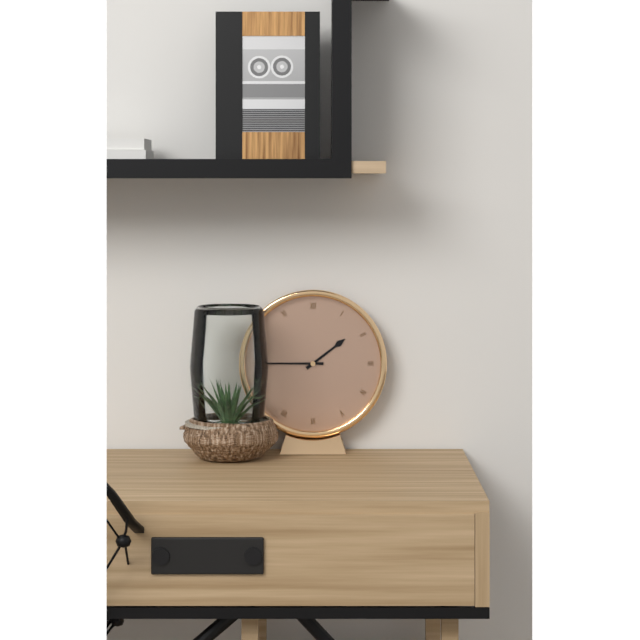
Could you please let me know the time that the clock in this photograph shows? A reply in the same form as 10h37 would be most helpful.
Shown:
1h45
